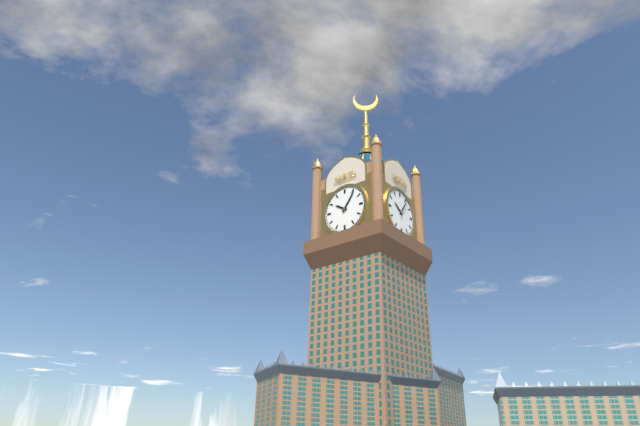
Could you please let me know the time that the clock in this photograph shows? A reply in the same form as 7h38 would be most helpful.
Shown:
10h06
